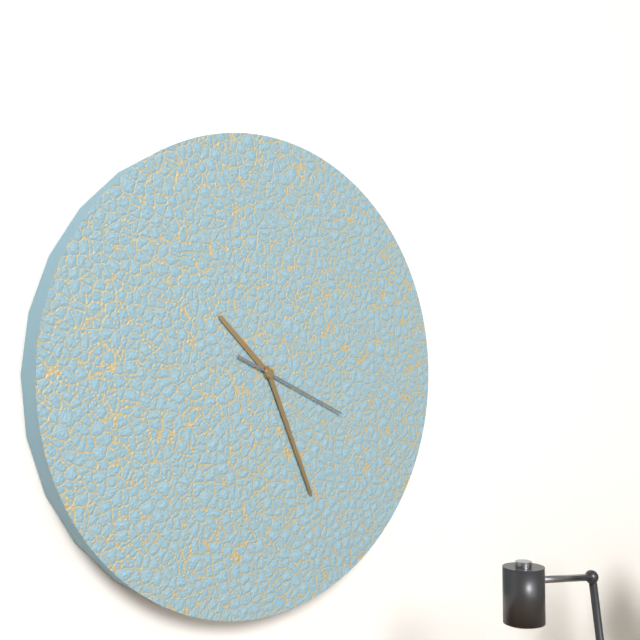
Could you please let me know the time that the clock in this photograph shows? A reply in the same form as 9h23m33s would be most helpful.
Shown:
10h26m19s
